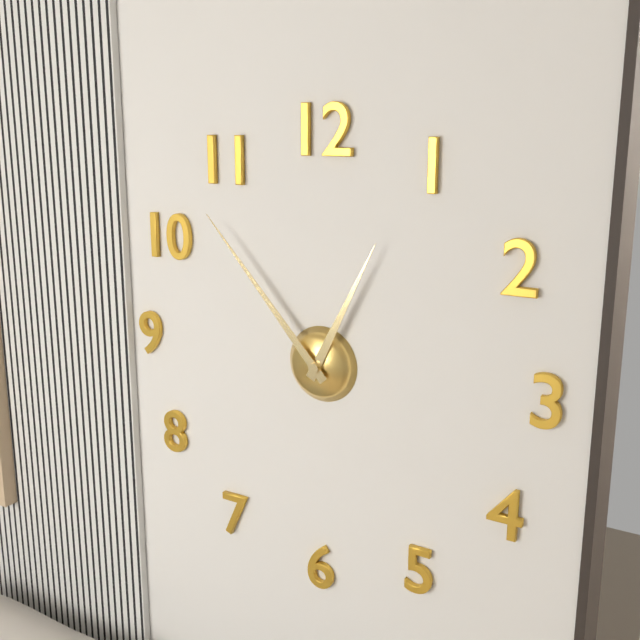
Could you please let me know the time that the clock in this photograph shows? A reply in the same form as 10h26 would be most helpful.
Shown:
12h53
